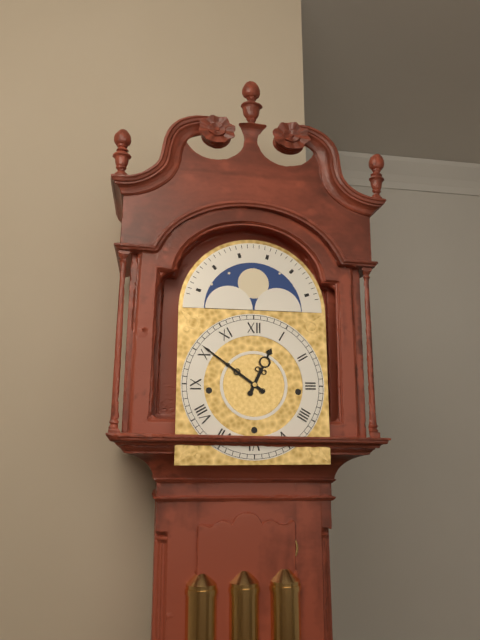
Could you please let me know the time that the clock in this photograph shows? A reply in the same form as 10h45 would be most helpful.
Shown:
12h51
